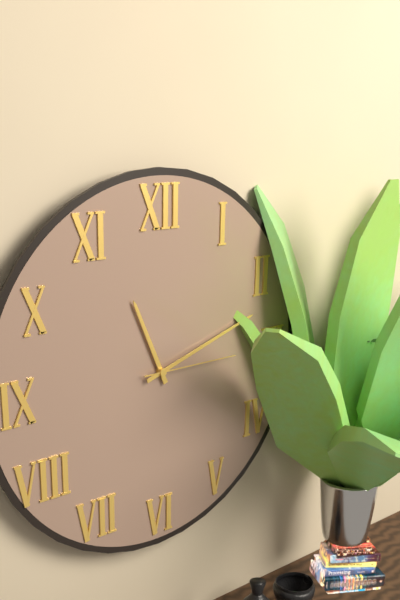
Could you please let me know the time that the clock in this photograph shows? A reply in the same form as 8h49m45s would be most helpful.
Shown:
11h12m15s
